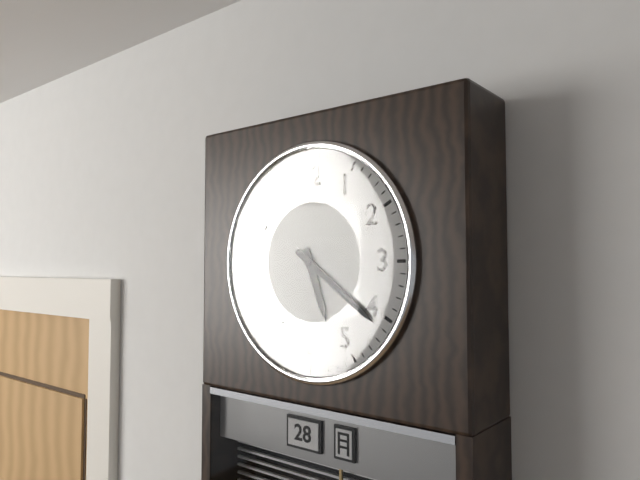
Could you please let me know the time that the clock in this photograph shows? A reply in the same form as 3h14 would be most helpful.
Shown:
5h21
